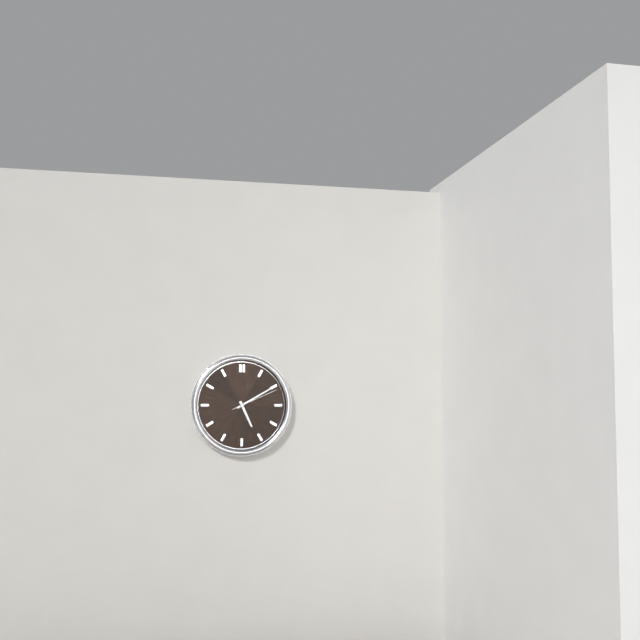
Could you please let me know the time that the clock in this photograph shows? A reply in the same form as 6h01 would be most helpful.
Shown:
5h10
